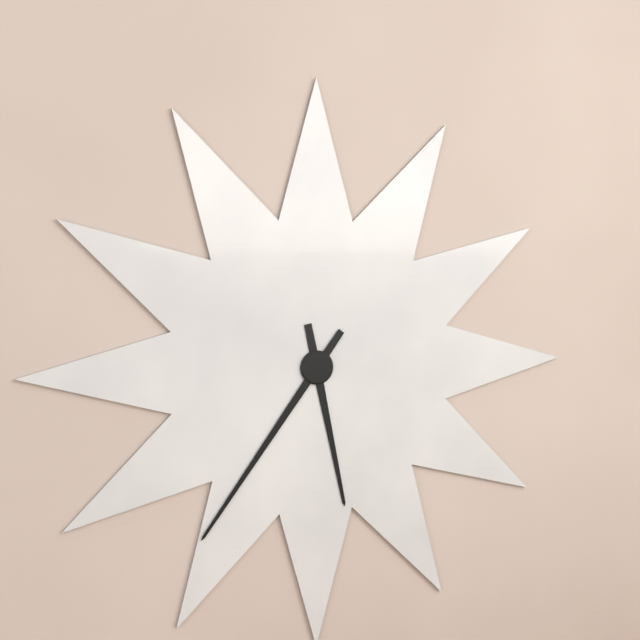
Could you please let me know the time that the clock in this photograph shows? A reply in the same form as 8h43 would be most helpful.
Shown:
5h36
